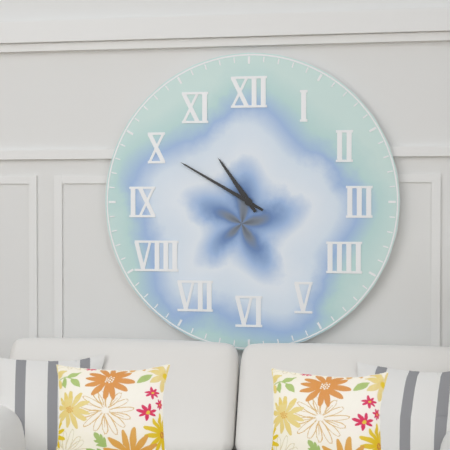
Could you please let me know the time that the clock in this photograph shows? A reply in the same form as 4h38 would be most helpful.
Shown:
10h50
